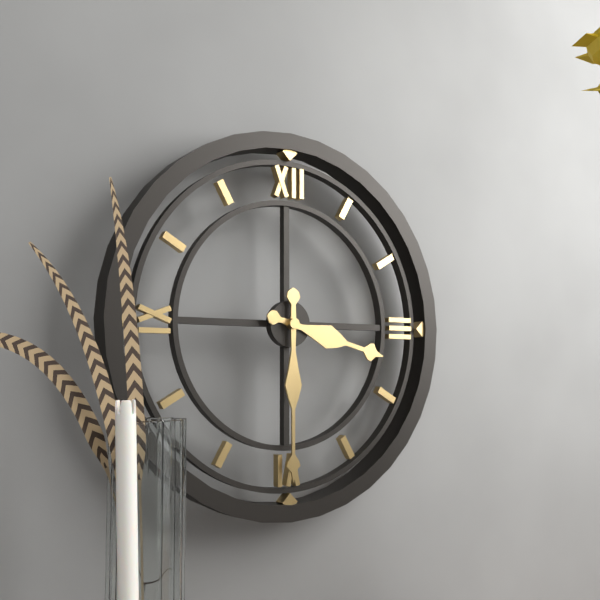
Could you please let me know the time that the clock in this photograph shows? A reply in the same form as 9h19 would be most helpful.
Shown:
3h30
